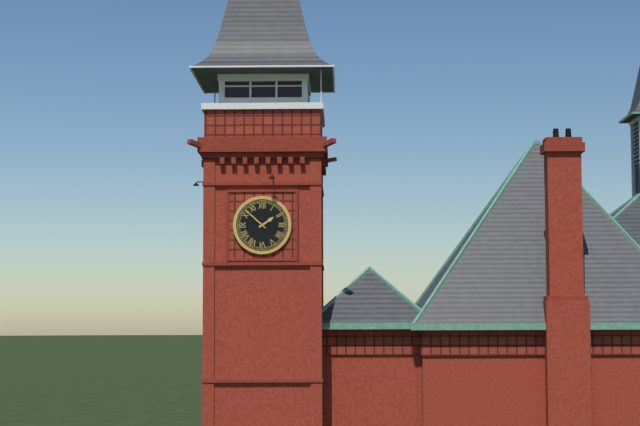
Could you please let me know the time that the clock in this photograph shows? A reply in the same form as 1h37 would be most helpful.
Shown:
1h52
